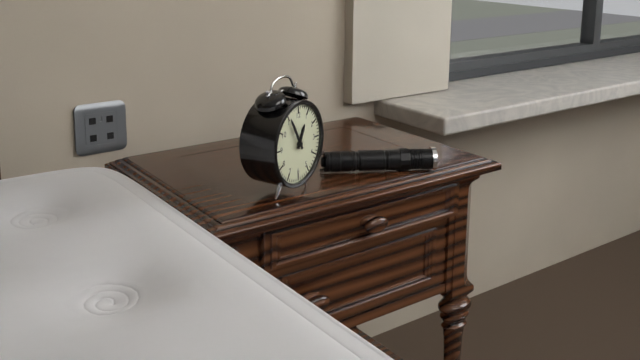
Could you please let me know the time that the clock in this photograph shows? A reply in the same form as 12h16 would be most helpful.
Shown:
12h55
